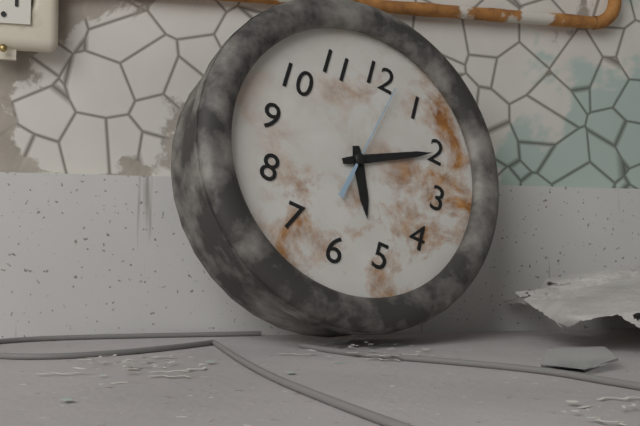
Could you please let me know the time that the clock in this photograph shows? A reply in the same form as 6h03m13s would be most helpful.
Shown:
5h10m02s
